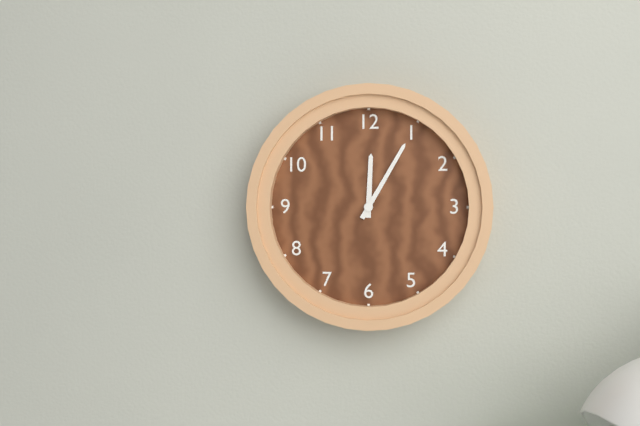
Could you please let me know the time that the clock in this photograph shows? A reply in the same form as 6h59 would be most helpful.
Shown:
12h05
